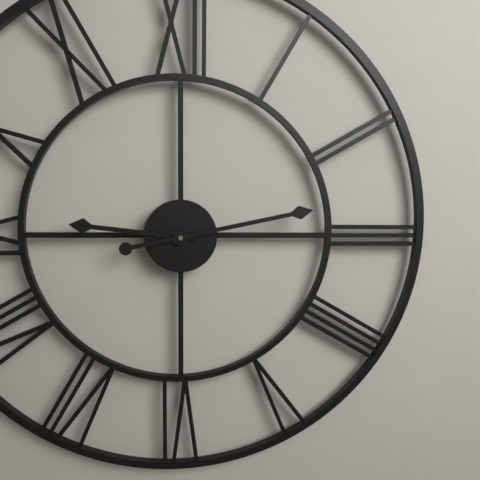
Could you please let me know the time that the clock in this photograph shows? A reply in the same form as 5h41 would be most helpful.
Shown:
9h13
